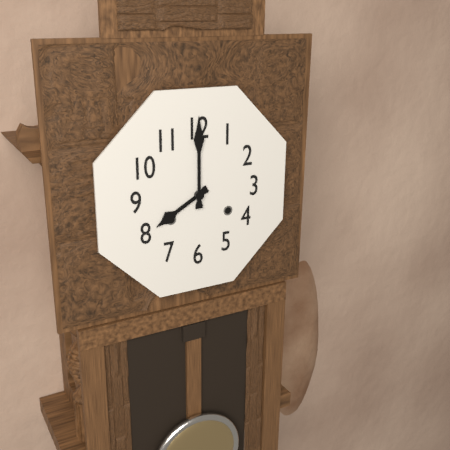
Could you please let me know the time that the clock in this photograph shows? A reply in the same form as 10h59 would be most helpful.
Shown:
8h00
